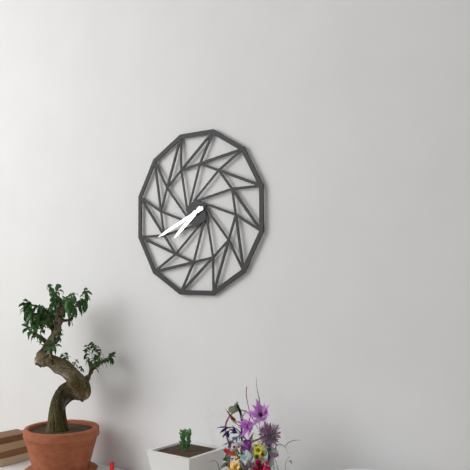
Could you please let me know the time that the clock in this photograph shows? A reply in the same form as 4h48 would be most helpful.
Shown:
7h41
